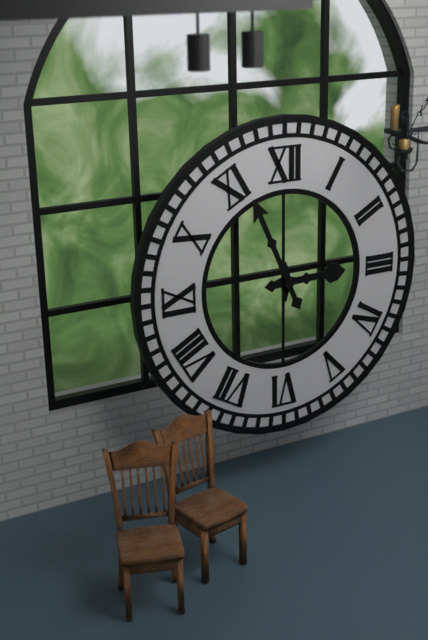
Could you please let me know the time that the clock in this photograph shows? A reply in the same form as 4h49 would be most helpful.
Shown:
2h56
